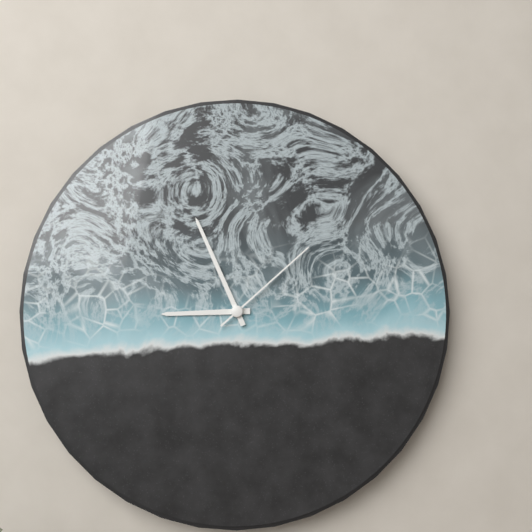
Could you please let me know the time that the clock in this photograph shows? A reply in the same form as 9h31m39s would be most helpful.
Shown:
8h56m08s
